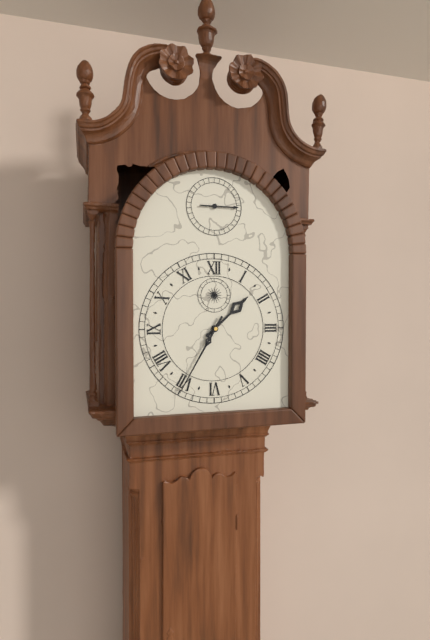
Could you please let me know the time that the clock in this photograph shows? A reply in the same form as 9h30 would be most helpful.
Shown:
1h35
